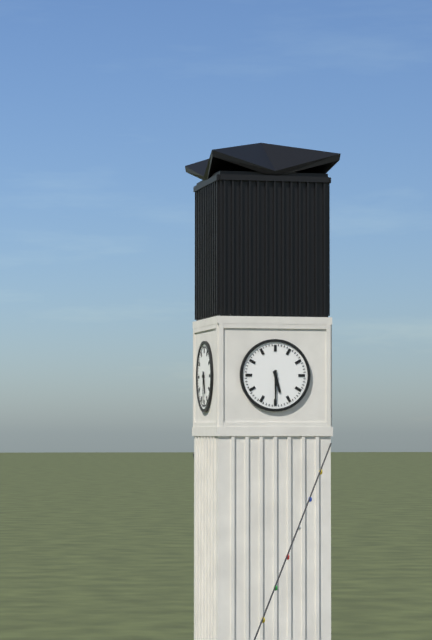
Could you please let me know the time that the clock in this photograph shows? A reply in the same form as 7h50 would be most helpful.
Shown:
5h30
